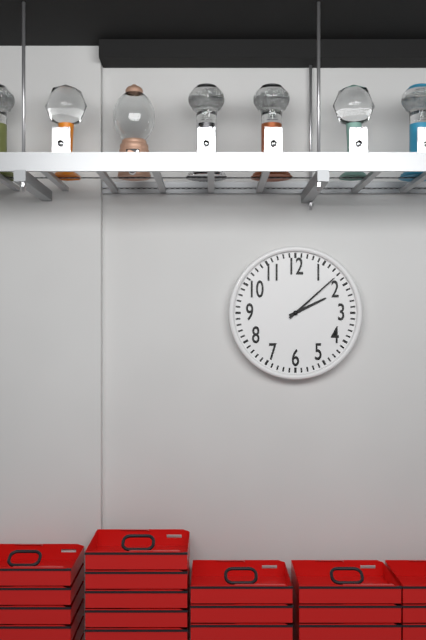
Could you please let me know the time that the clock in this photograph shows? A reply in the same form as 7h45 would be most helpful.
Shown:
2h08
